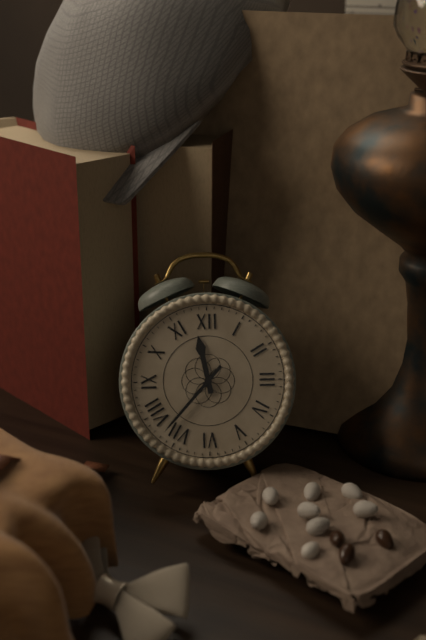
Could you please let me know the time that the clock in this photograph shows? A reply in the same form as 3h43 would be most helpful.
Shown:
11h37
